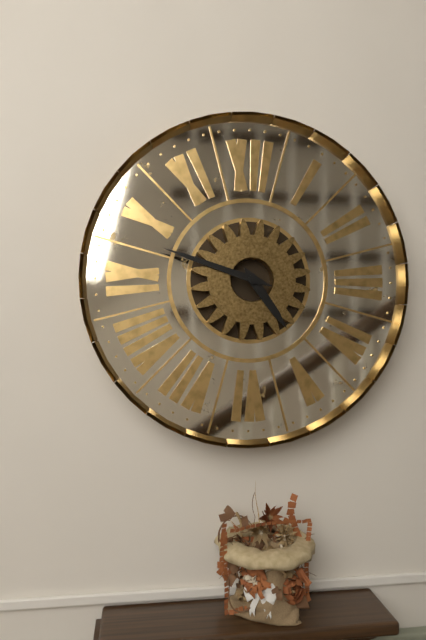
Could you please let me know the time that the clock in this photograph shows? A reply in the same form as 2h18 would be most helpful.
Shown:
4h48
